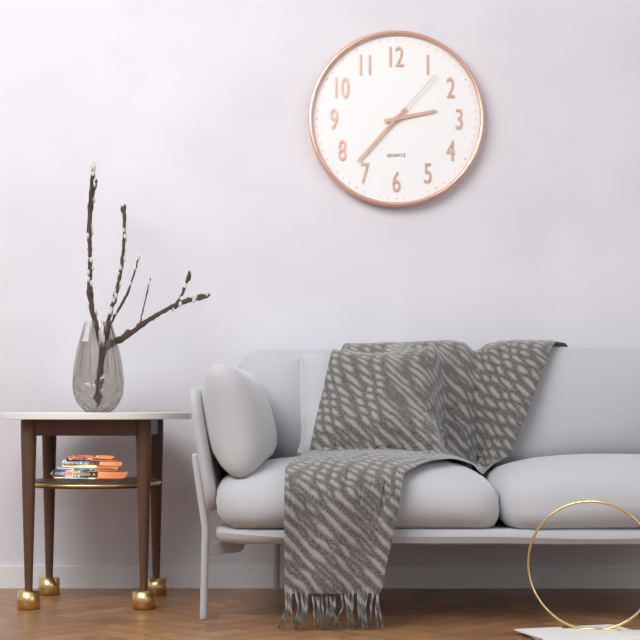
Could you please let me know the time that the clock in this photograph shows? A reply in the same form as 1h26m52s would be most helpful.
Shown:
2h37m07s
